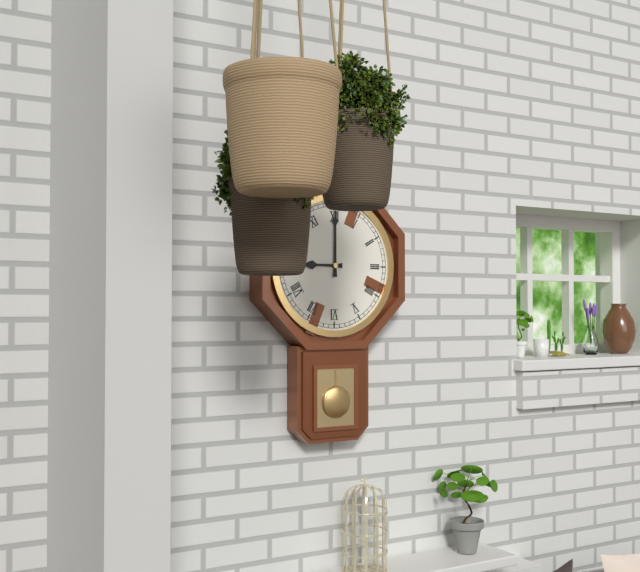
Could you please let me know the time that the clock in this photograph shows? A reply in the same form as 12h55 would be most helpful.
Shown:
9h00
